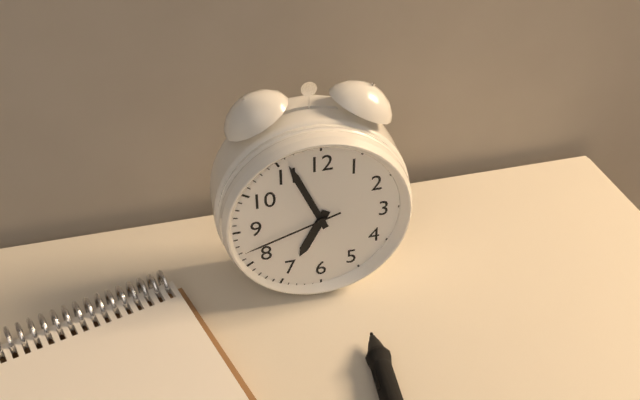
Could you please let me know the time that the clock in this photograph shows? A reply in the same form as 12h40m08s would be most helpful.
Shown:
6h56m42s
